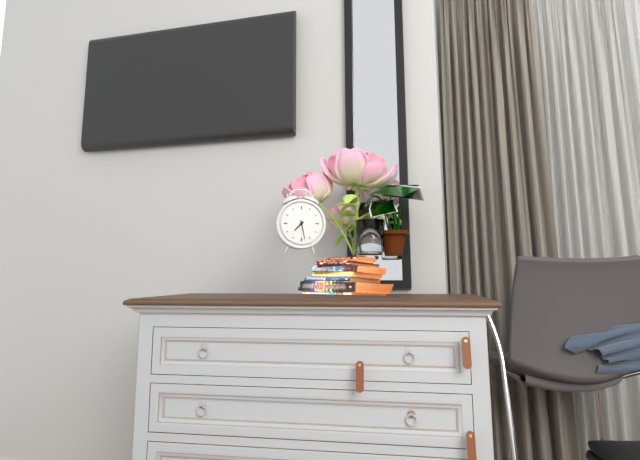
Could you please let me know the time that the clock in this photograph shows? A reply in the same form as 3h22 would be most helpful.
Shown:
7h28
